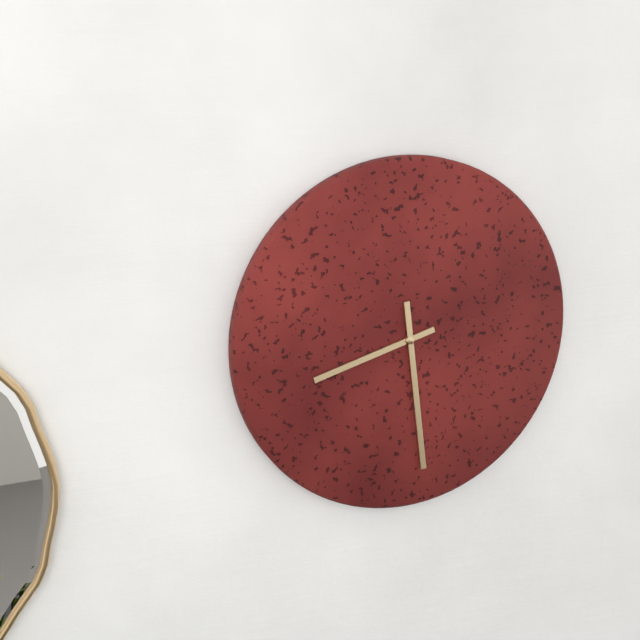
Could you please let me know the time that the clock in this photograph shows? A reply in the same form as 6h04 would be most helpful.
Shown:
8h29
